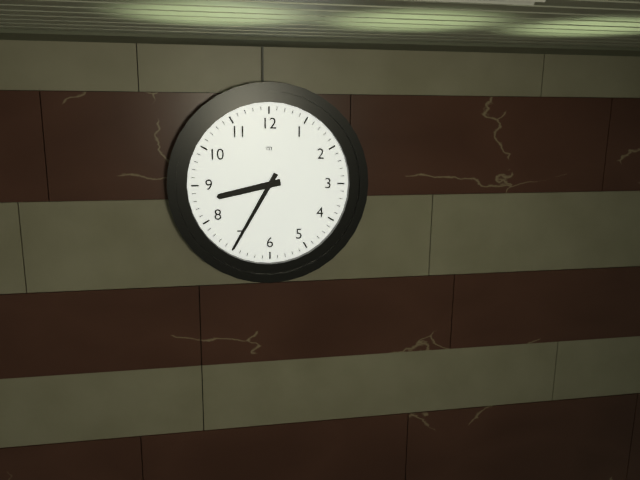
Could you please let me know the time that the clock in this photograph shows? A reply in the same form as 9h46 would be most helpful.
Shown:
8h35
